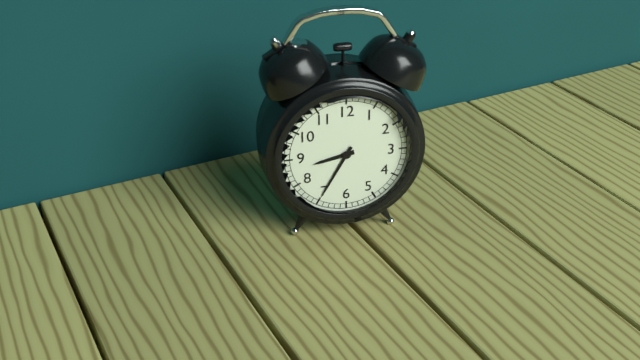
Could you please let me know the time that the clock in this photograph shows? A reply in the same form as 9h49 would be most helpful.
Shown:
8h35
